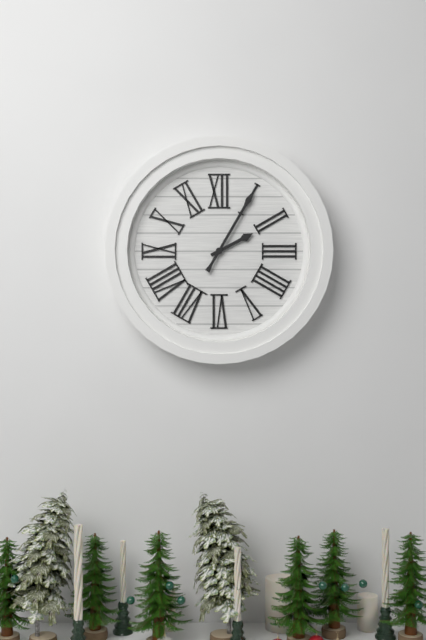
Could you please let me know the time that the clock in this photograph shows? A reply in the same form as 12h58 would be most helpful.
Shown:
2h05
